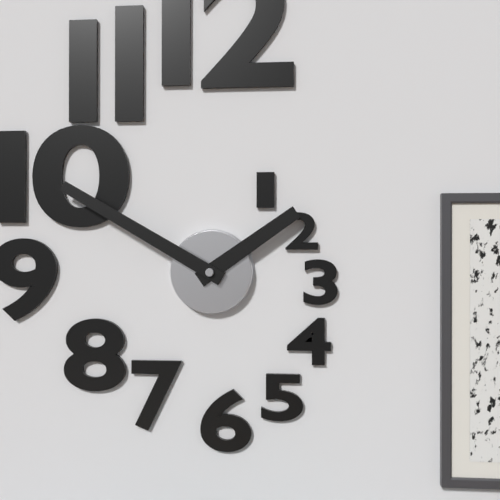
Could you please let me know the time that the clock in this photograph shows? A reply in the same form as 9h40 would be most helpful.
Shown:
1h50
